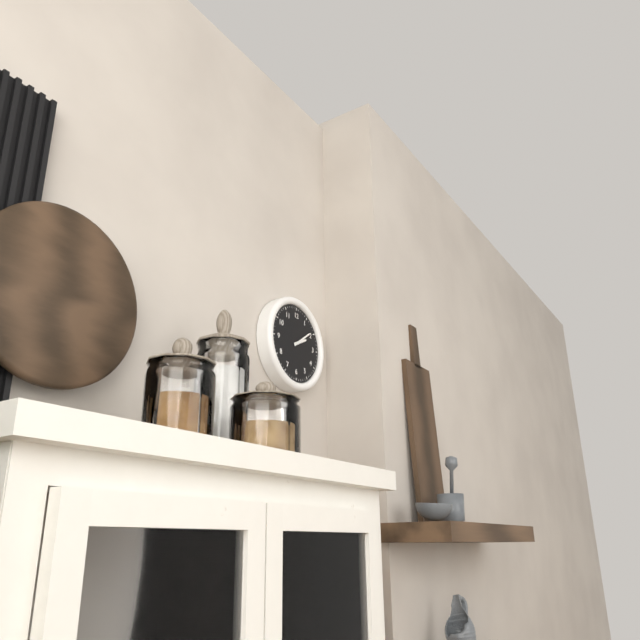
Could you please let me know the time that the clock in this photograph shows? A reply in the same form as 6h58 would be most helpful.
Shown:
2h09
